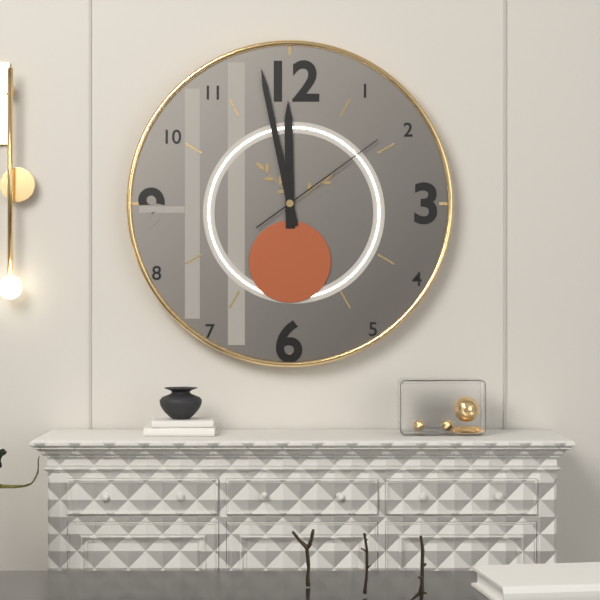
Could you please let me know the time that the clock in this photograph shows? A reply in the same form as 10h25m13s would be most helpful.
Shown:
11h58m09s
